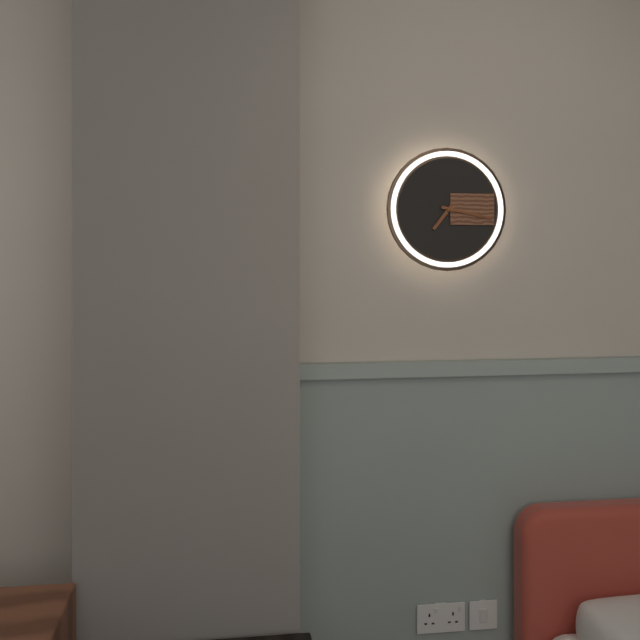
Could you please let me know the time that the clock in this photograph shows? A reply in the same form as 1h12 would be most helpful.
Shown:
7h17
